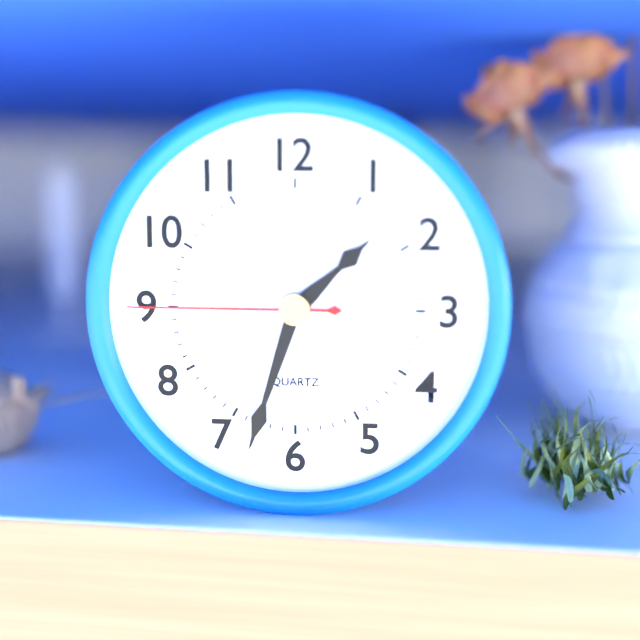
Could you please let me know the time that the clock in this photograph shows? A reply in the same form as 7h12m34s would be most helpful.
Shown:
1h33m45s
